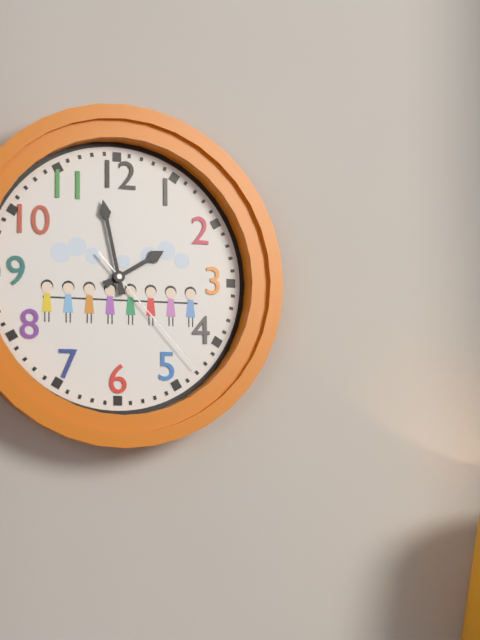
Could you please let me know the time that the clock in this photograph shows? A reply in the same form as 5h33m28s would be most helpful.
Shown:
1h58m23s
